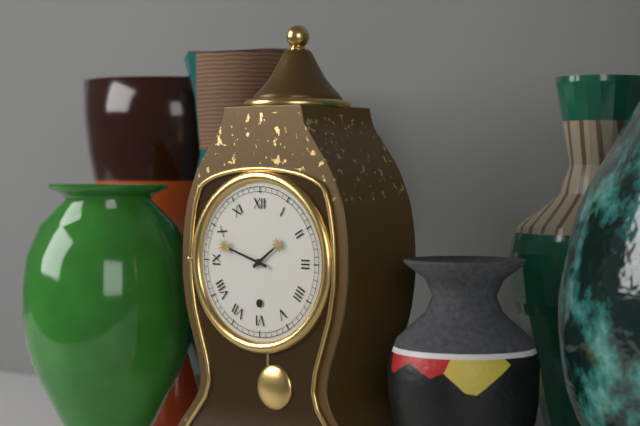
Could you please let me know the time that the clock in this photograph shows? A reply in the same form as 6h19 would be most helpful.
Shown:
1h48
